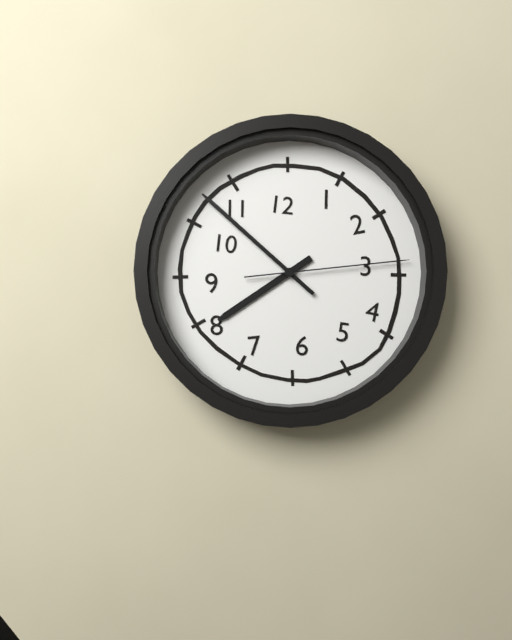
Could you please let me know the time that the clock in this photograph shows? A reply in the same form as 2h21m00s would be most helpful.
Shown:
7h52m14s
